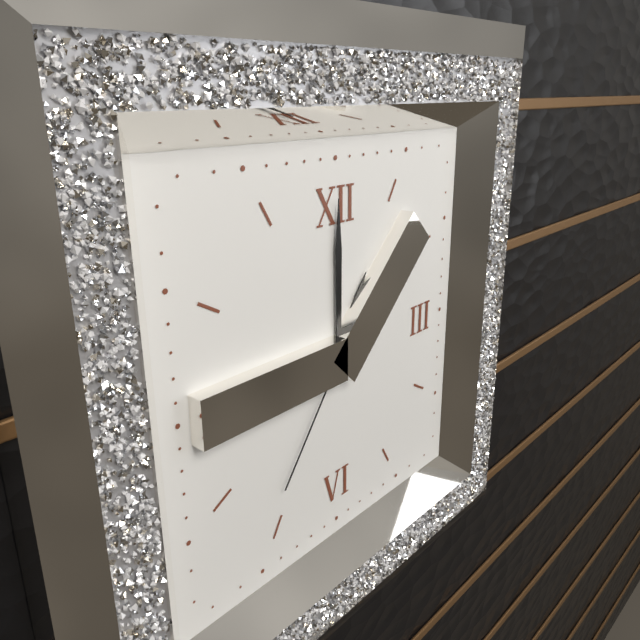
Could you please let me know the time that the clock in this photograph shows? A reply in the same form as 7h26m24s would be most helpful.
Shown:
1h00m36s
